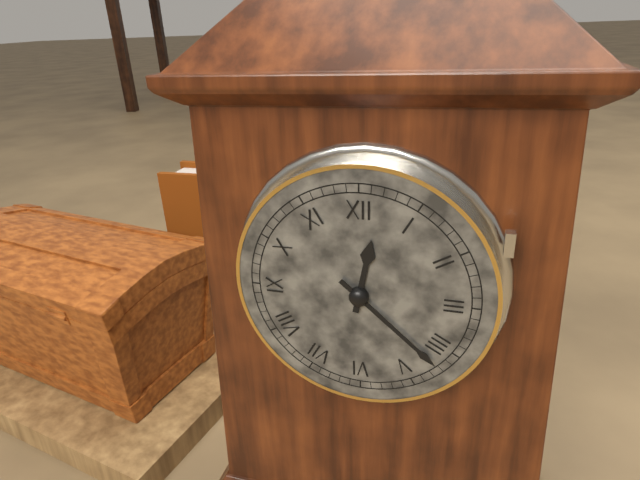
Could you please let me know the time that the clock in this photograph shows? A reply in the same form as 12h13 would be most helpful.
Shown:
12h22
